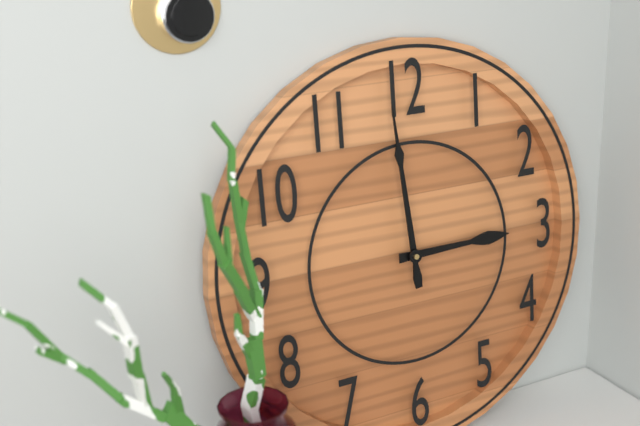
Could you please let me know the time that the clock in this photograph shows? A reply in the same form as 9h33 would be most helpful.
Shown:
2h59
